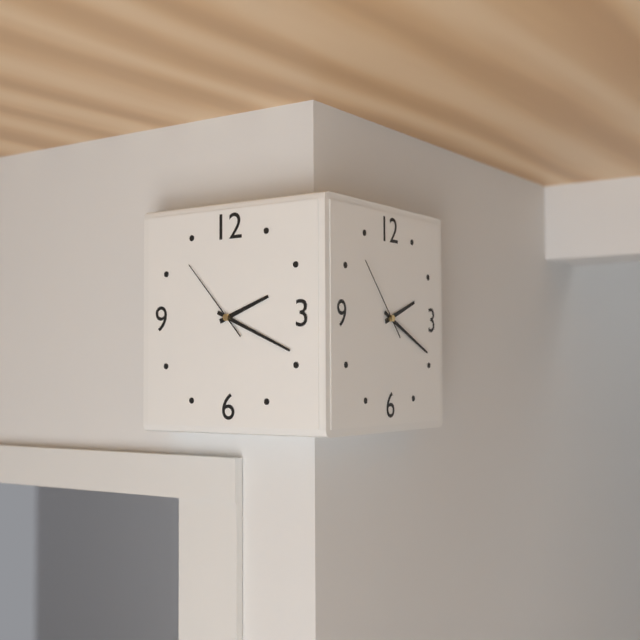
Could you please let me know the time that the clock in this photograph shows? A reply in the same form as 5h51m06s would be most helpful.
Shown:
2h19m53s
